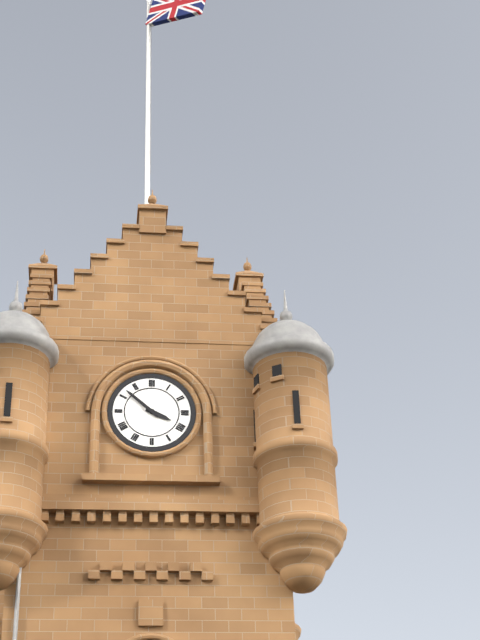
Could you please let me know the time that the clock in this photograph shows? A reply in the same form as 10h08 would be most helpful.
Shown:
3h52
